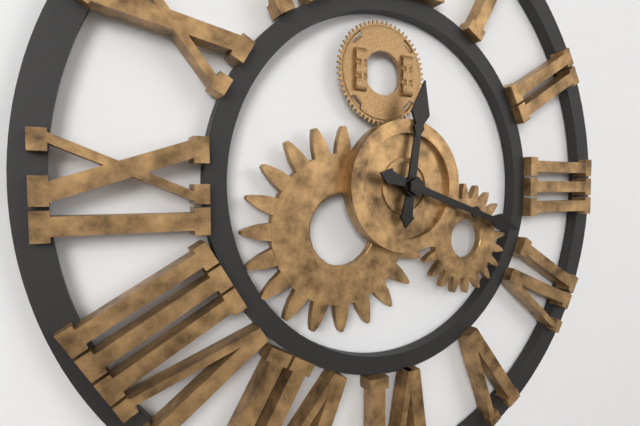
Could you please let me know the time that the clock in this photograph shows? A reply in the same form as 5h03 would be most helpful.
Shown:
12h18
